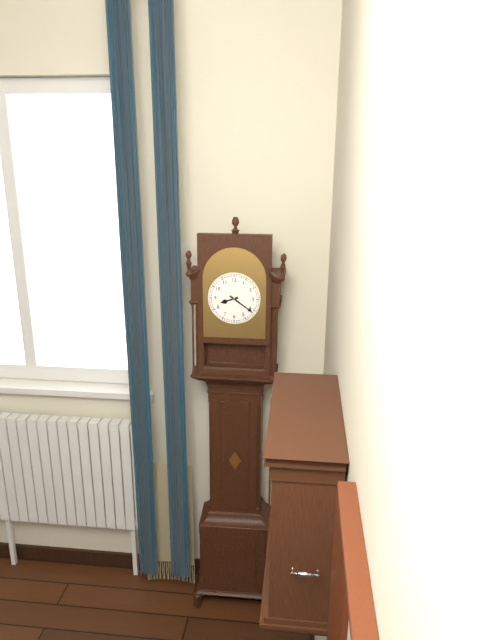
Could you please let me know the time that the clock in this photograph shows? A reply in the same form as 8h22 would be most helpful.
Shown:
8h21
